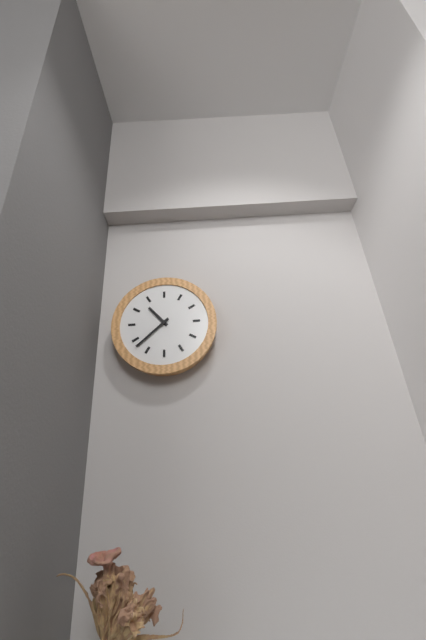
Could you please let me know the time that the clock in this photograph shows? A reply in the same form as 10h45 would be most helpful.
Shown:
10h38
